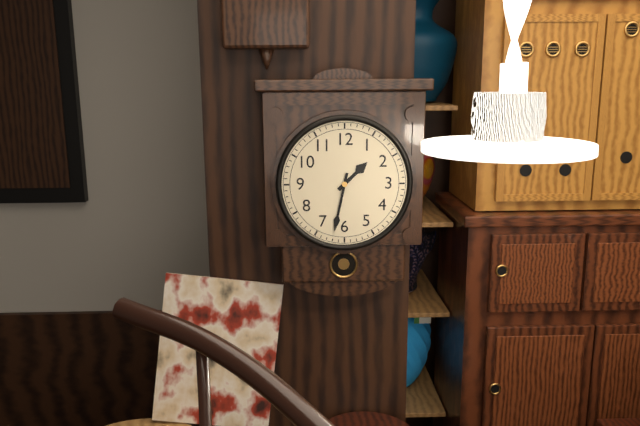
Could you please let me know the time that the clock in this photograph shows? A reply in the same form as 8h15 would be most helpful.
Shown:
1h32
